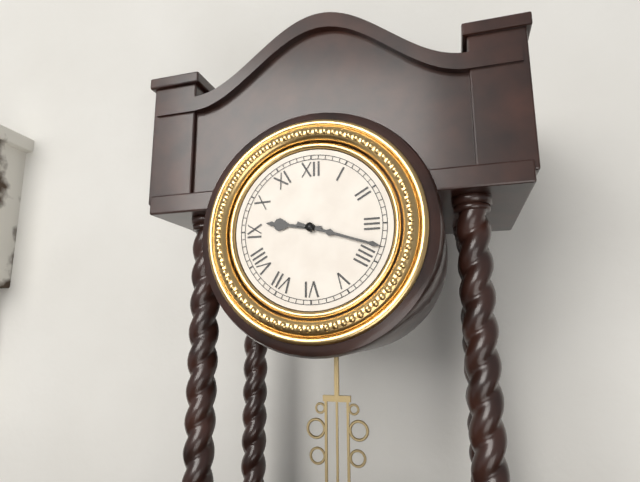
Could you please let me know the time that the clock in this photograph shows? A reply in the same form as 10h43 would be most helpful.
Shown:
9h18
